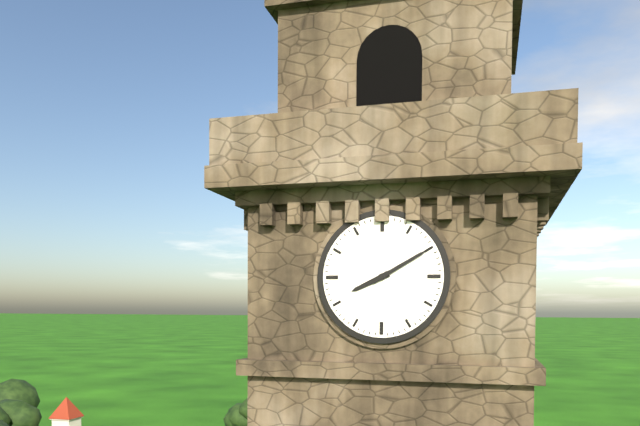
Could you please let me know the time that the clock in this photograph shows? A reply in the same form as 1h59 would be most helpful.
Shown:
8h10
